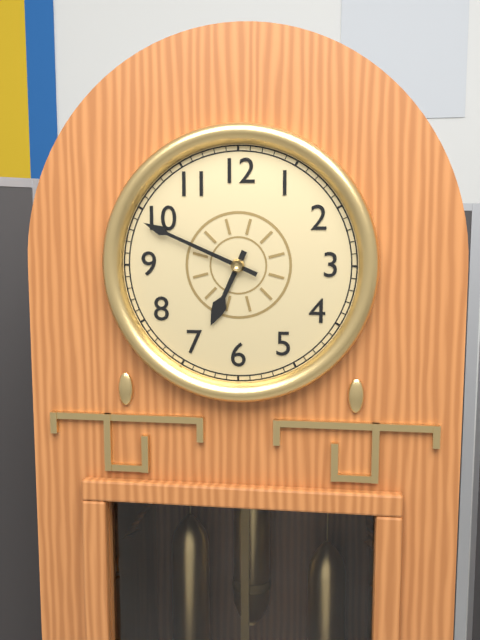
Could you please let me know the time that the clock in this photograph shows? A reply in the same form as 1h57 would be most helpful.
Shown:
6h49
